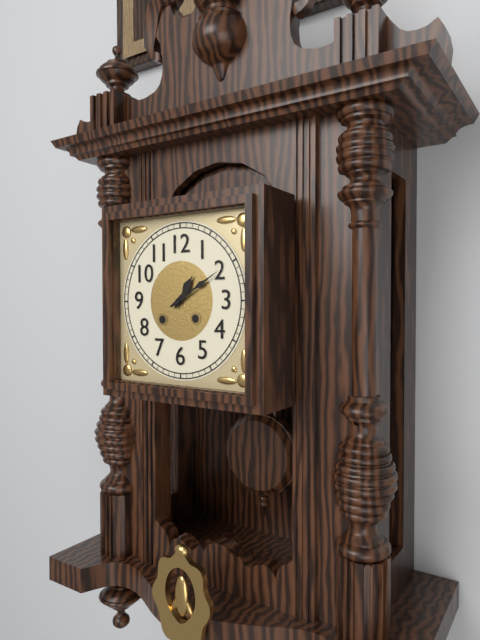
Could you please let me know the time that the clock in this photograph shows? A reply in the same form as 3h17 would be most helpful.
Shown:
1h10
